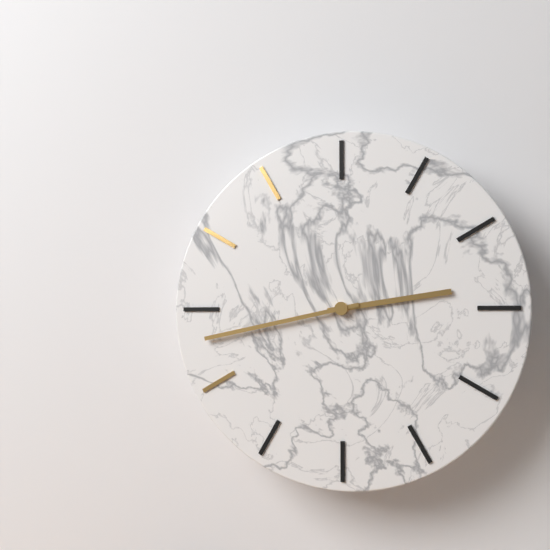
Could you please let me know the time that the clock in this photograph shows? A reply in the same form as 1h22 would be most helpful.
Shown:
2h43
